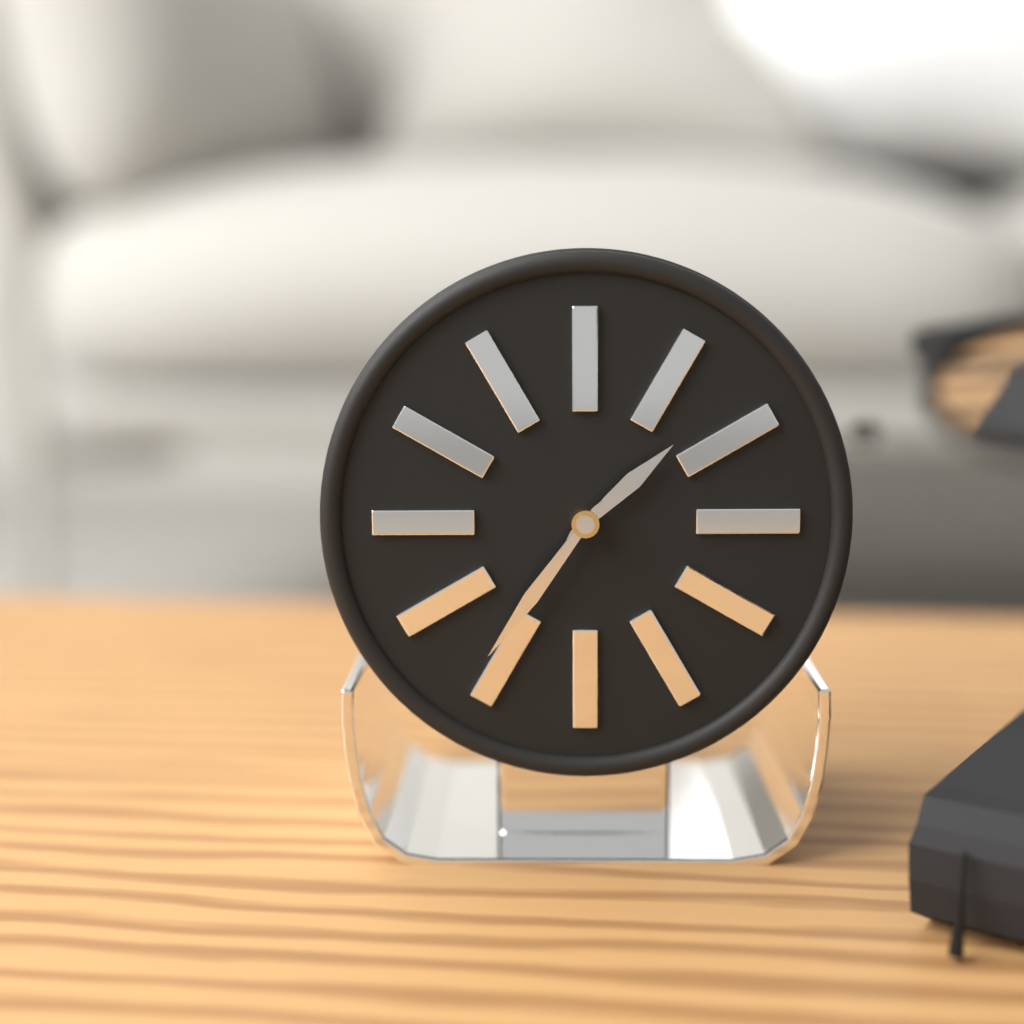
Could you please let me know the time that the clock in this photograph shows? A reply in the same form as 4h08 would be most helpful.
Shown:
1h36
